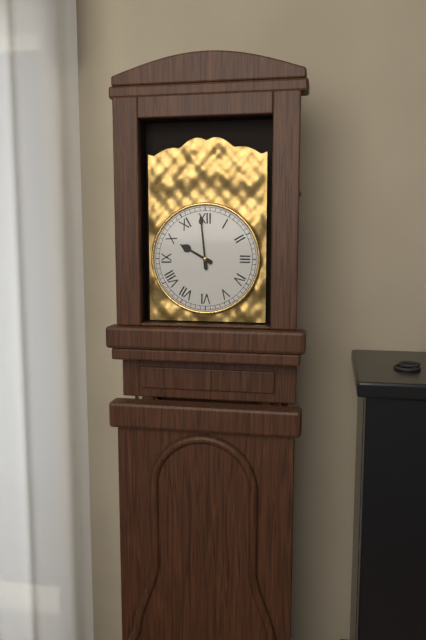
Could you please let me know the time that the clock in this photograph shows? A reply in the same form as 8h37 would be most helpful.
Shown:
9h59
